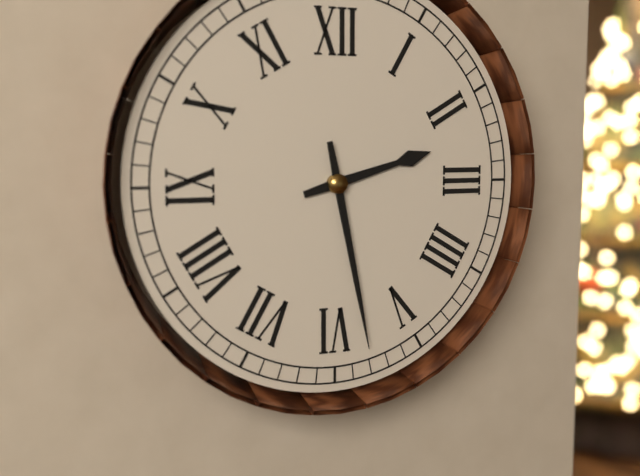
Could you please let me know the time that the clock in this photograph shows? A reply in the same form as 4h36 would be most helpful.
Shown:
2h28
